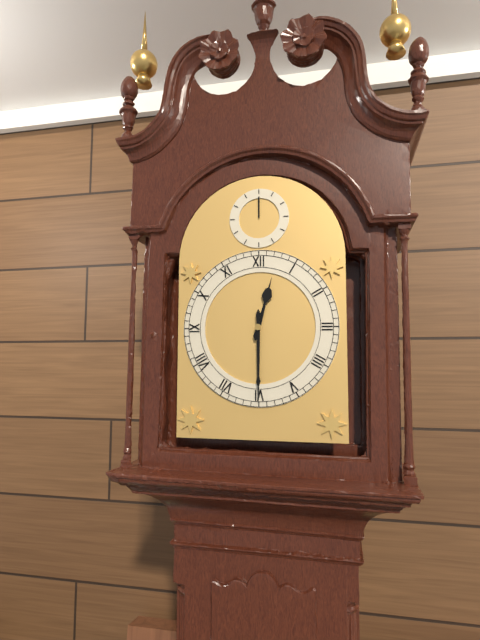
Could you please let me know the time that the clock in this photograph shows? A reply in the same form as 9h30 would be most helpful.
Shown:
12h30
